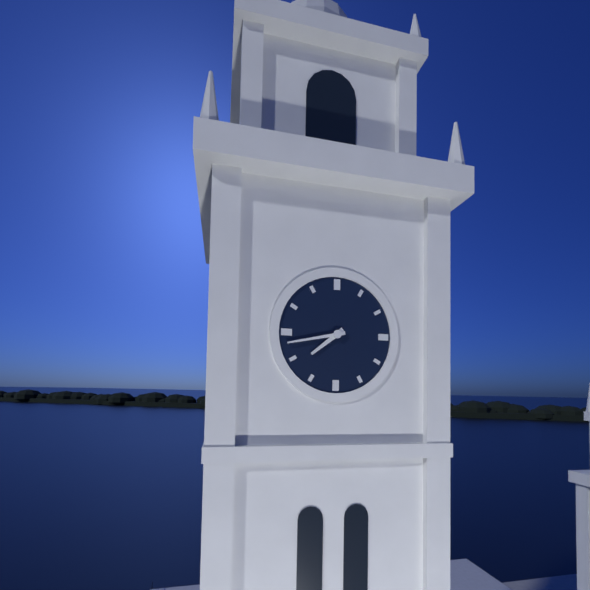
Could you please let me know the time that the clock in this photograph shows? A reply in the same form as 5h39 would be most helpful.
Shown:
7h43
